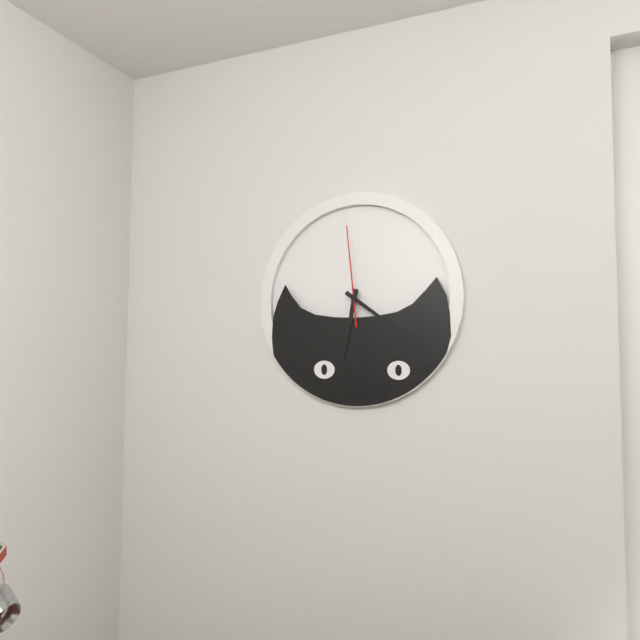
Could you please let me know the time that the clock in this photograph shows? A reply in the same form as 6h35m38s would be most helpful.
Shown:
6h21m59s
